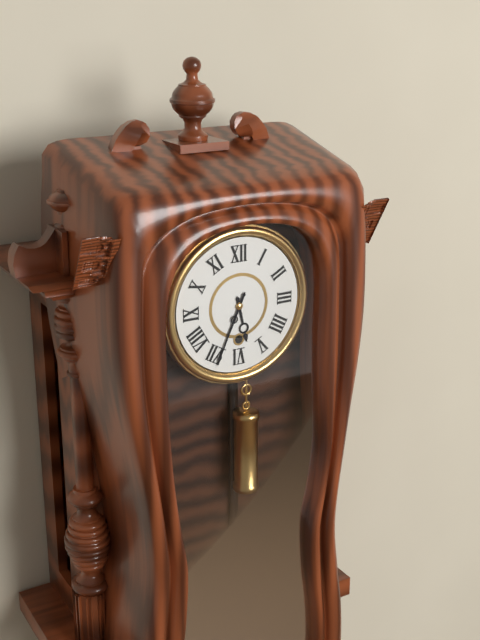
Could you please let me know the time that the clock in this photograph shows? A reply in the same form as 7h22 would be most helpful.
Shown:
5h34
